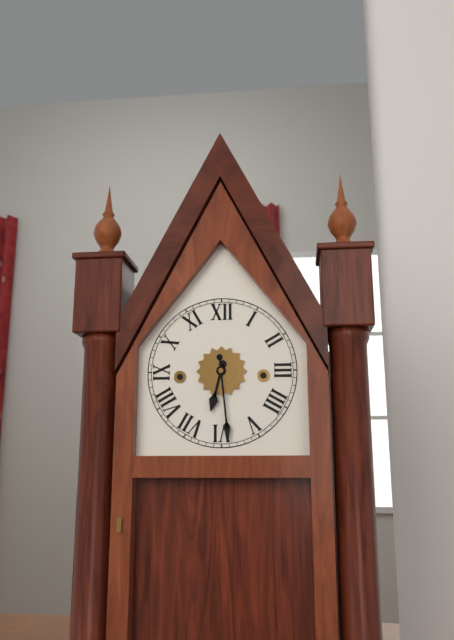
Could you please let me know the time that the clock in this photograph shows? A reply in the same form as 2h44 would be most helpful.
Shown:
6h29
